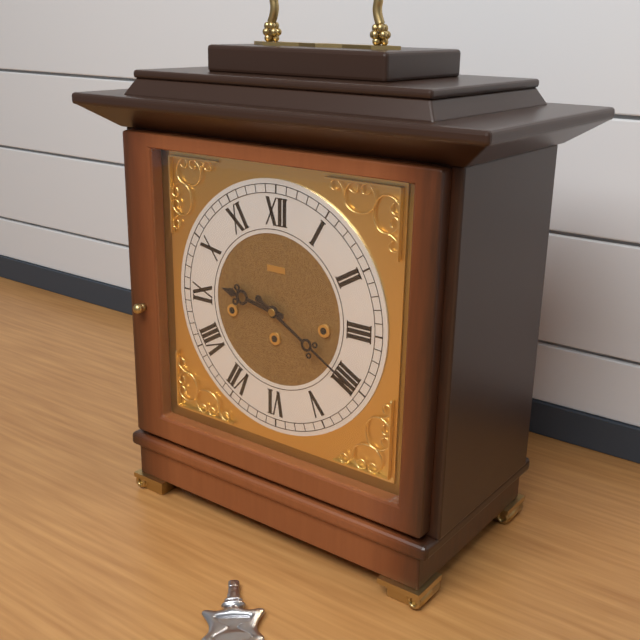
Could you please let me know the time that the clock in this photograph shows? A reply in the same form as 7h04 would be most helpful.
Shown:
9h20
